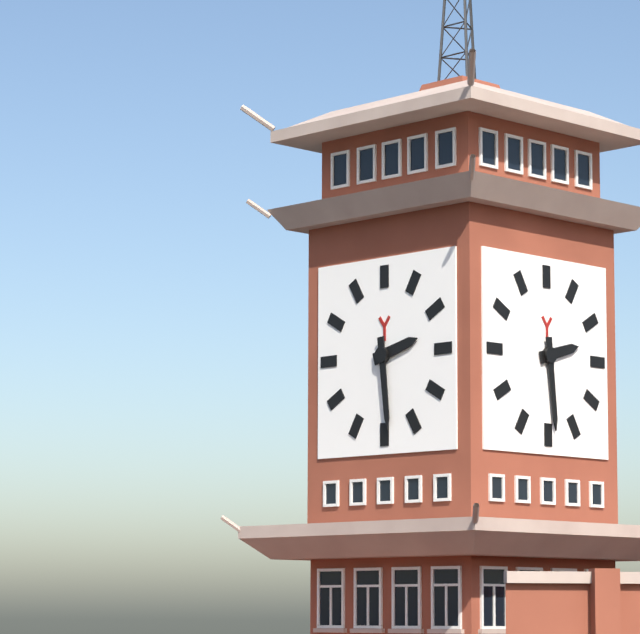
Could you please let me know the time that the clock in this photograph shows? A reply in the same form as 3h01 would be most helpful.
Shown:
2h29
